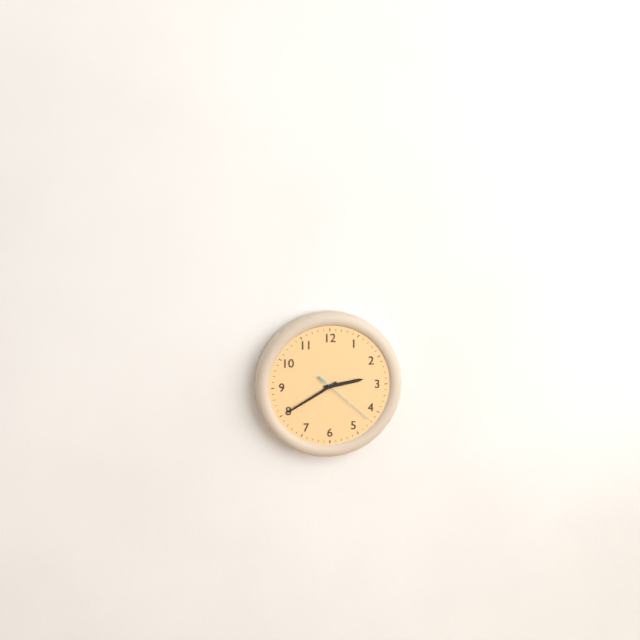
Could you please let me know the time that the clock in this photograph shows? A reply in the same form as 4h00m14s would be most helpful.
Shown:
2h40m22s
